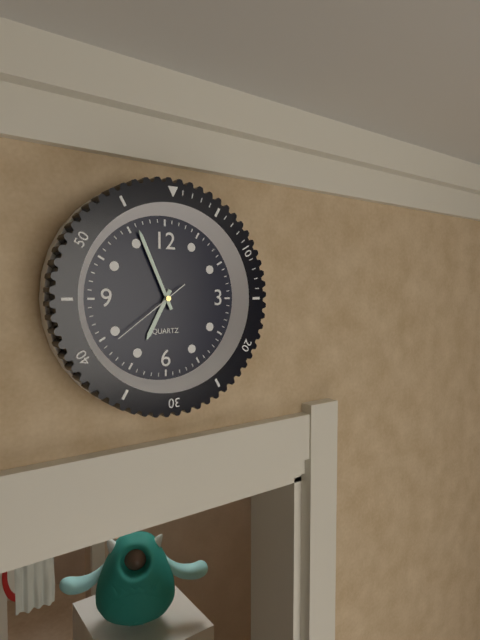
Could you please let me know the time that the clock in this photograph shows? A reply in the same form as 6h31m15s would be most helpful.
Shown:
6h56m39s
